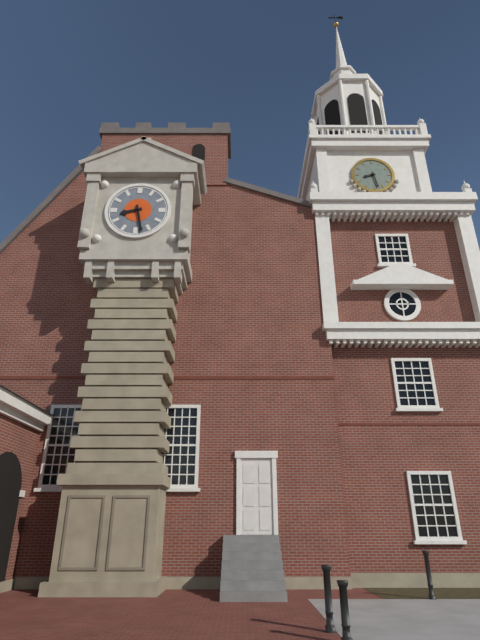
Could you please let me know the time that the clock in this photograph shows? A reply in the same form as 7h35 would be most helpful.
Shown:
8h28
